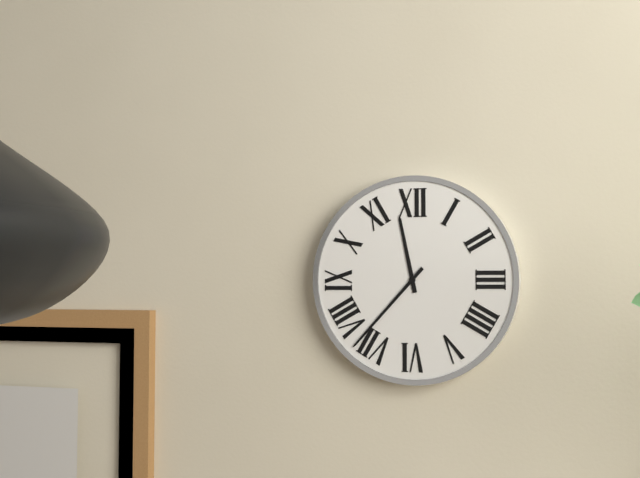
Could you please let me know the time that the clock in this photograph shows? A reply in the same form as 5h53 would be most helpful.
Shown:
11h37
